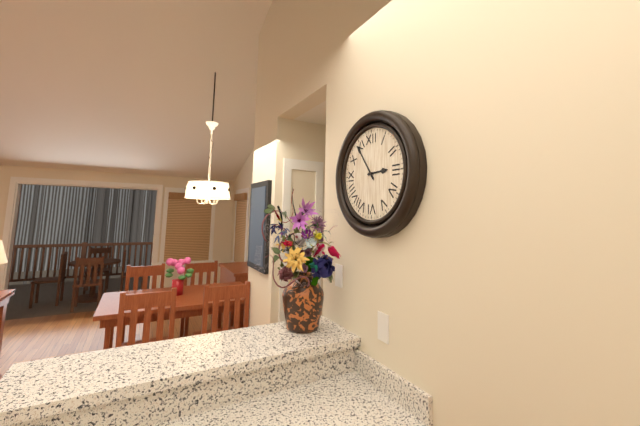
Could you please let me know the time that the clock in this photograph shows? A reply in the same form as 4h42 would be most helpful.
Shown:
2h54
